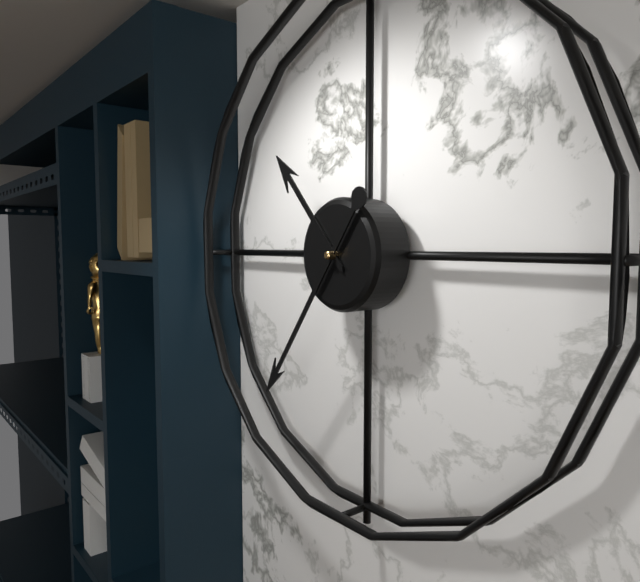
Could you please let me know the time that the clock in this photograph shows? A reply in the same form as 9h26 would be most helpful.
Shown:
10h36
